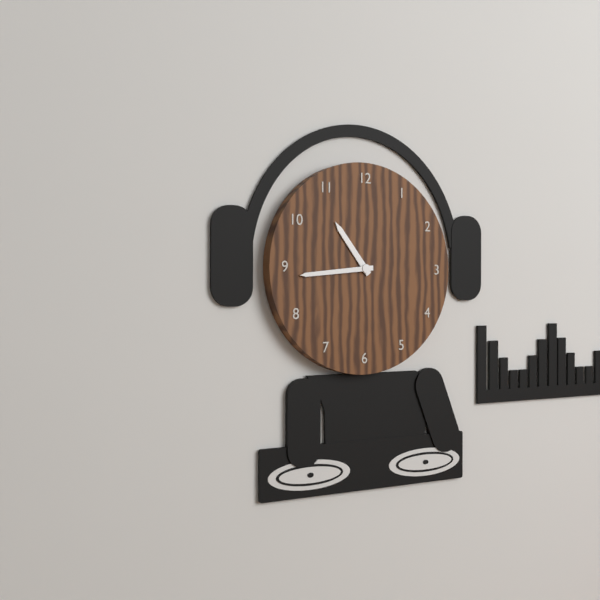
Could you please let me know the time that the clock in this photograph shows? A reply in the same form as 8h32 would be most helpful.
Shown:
10h44
